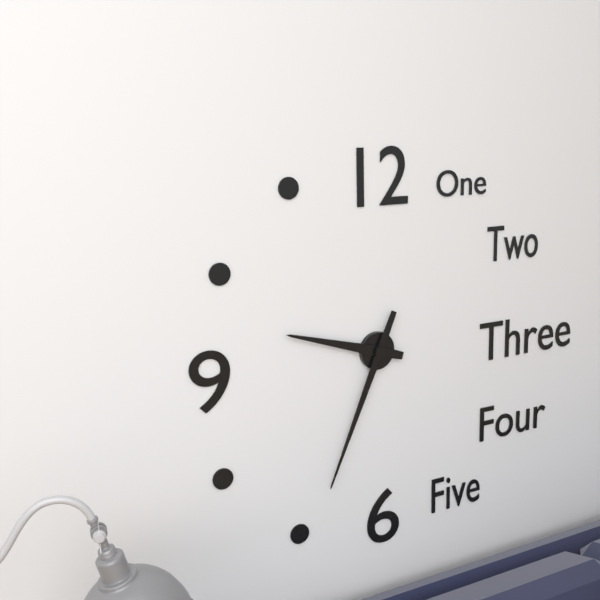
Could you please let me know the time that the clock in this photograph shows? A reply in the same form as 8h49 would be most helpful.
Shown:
9h34
